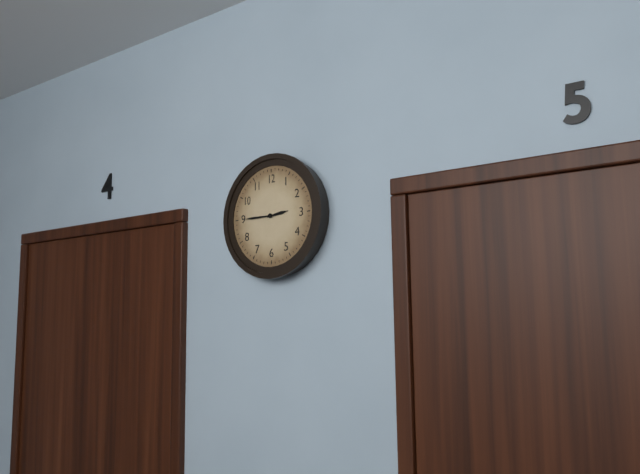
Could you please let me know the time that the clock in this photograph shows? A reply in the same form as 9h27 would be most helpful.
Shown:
2h45
